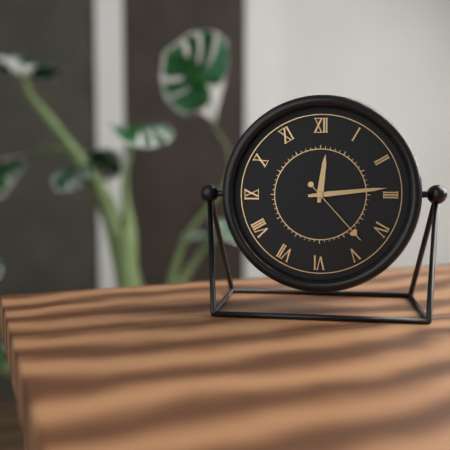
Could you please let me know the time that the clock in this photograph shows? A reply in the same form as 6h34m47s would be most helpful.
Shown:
12h14m23s
